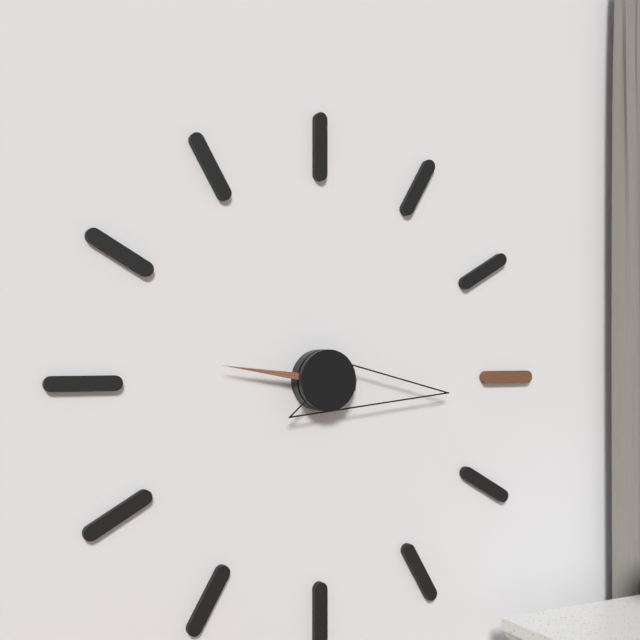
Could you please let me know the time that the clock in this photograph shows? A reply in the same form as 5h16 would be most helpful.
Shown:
9h16
